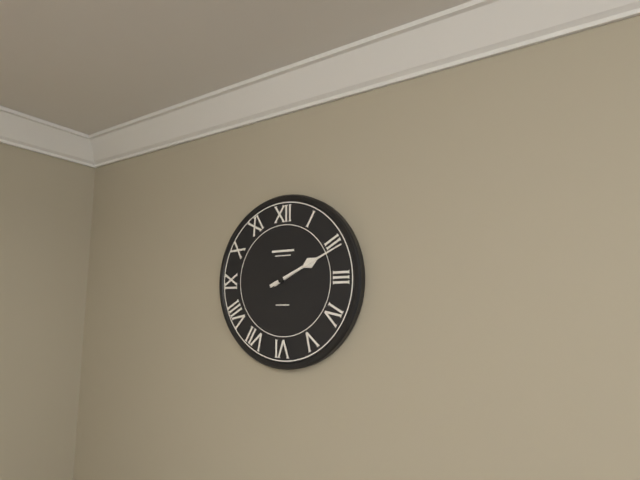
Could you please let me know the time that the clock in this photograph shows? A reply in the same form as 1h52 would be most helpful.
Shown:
2h11
